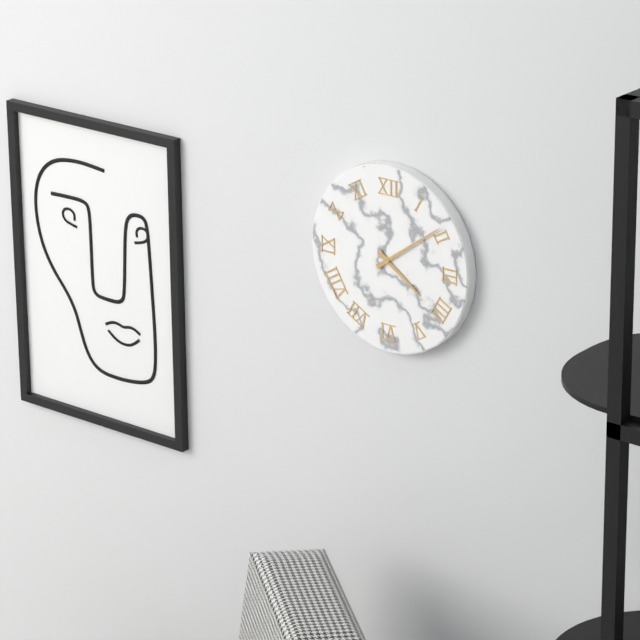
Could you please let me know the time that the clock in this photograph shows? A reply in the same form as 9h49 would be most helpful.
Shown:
4h09
